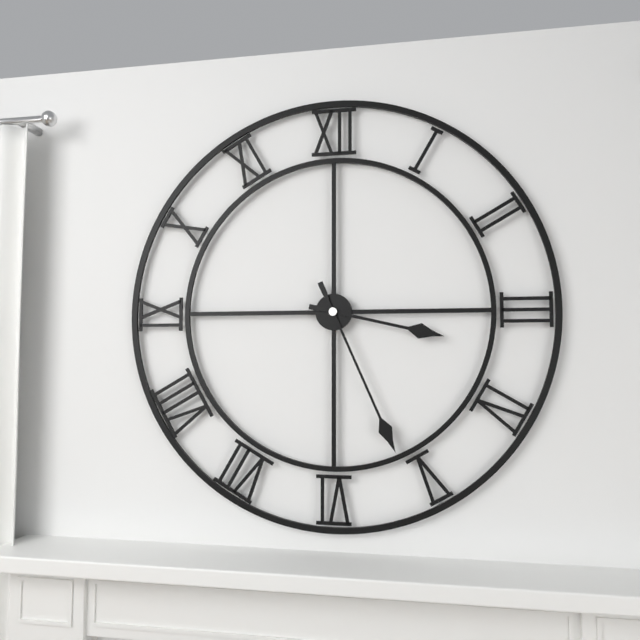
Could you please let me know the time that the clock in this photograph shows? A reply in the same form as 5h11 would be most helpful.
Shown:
3h26
